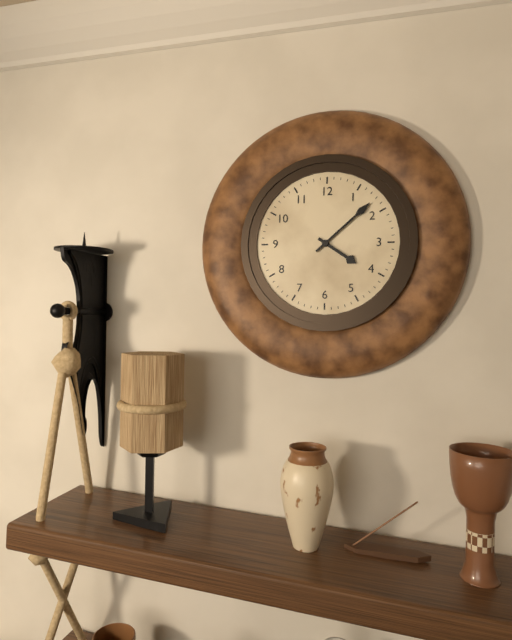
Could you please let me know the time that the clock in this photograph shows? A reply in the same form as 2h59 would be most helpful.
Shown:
4h08
